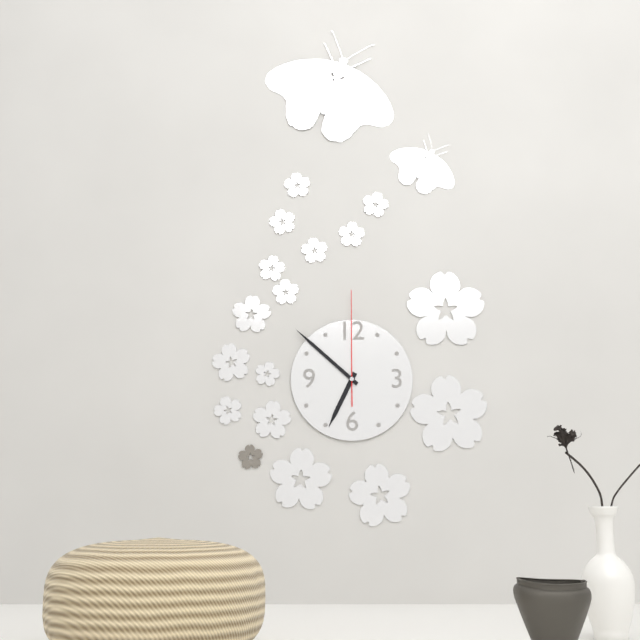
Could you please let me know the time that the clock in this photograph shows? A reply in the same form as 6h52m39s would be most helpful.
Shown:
6h52m00s
